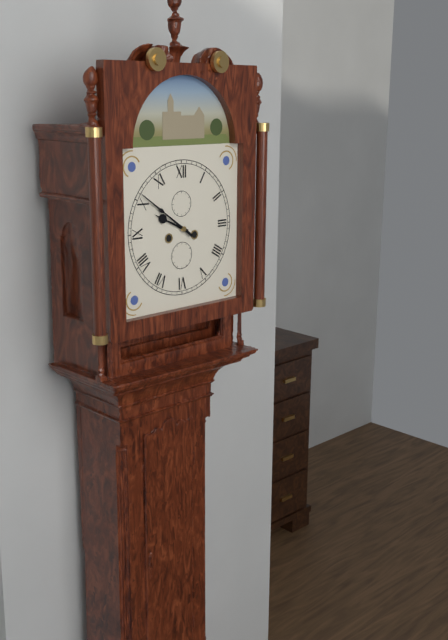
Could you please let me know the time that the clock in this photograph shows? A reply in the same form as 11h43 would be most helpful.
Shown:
9h51
